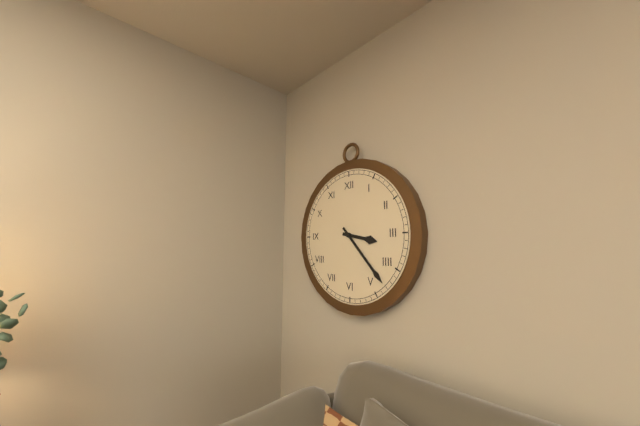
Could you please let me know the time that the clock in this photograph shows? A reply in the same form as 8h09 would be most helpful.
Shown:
3h23
